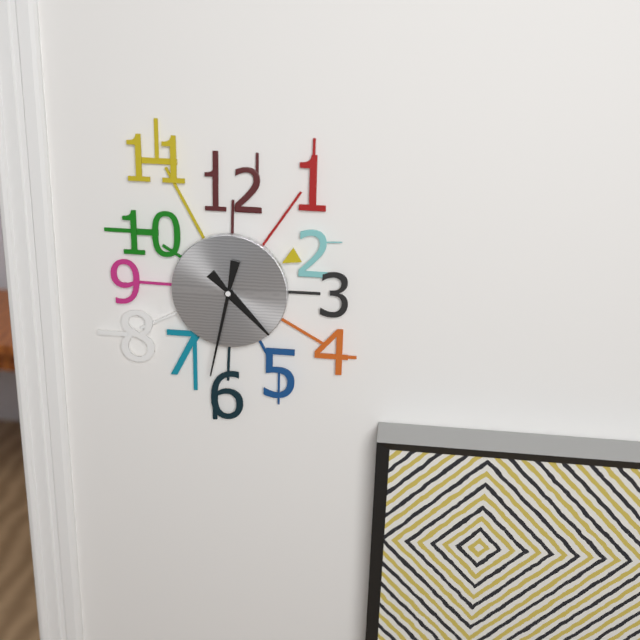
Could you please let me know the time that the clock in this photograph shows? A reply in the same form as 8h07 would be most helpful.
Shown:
4h32
